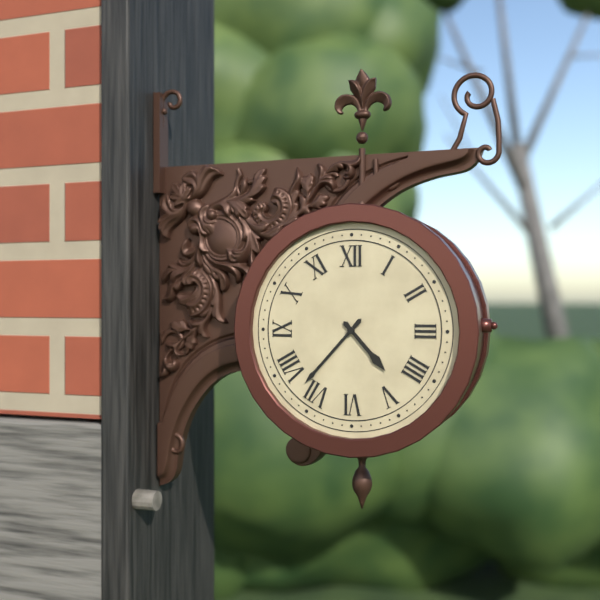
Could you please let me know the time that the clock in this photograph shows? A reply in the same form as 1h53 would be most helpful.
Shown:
4h37
